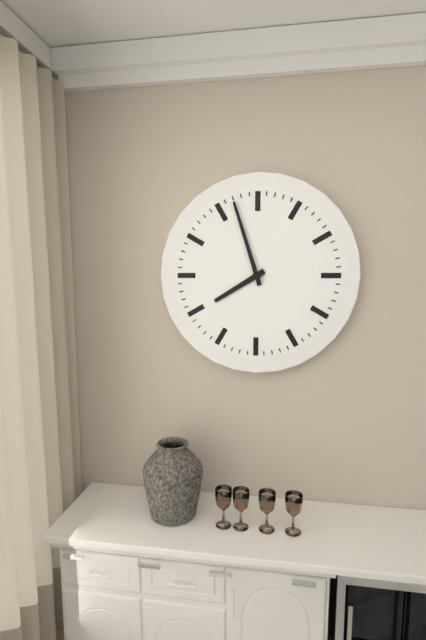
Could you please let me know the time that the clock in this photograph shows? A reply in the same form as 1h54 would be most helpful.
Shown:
7h57
